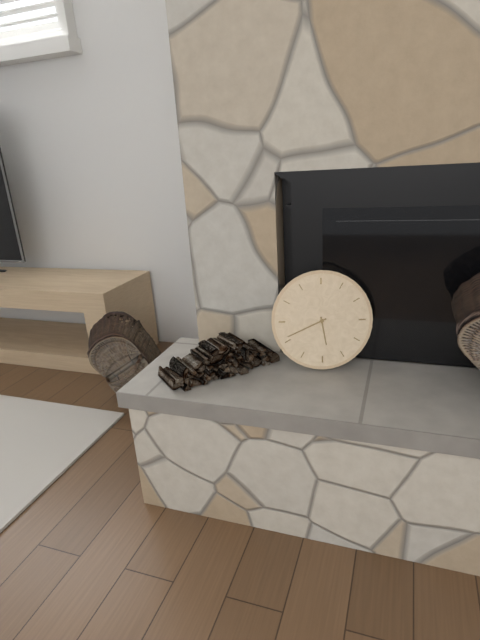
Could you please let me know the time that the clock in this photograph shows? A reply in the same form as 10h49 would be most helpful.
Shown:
5h41
